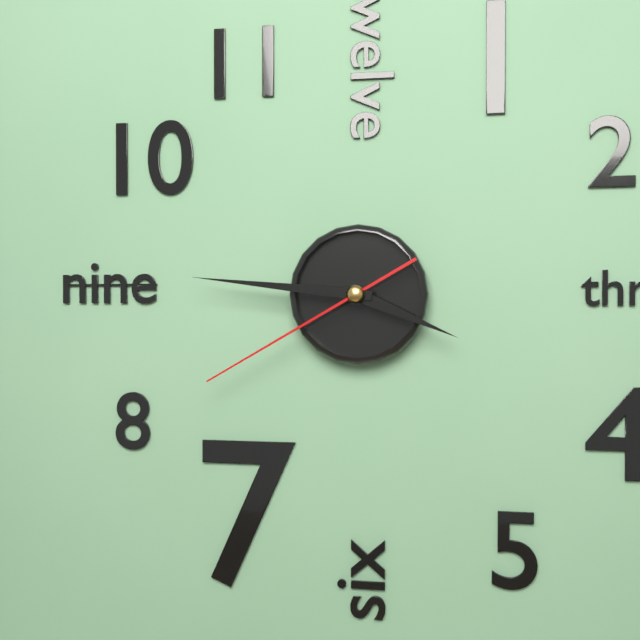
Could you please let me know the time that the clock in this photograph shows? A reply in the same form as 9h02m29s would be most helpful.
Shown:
3h46m40s
